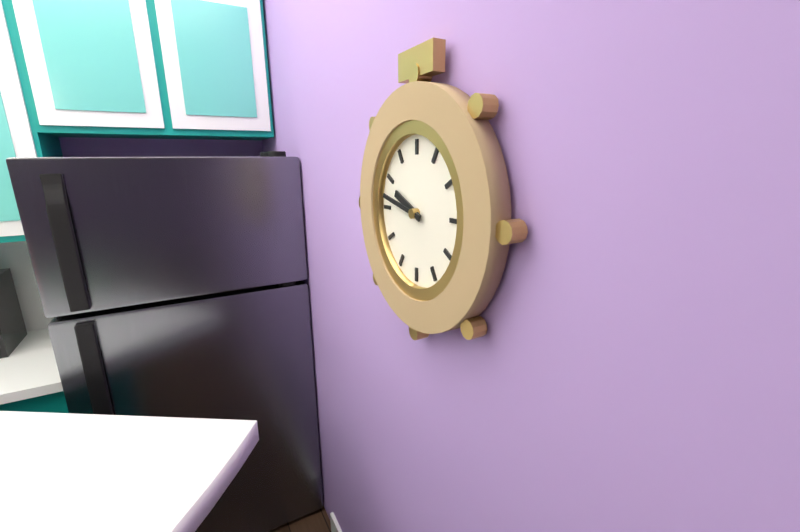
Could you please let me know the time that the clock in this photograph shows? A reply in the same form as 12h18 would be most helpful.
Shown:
9h47
